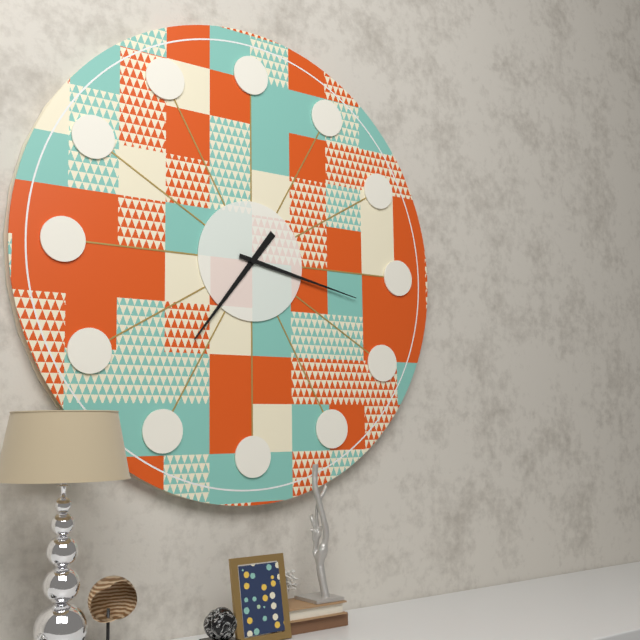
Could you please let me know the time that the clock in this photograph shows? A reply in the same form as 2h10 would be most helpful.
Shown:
7h17
